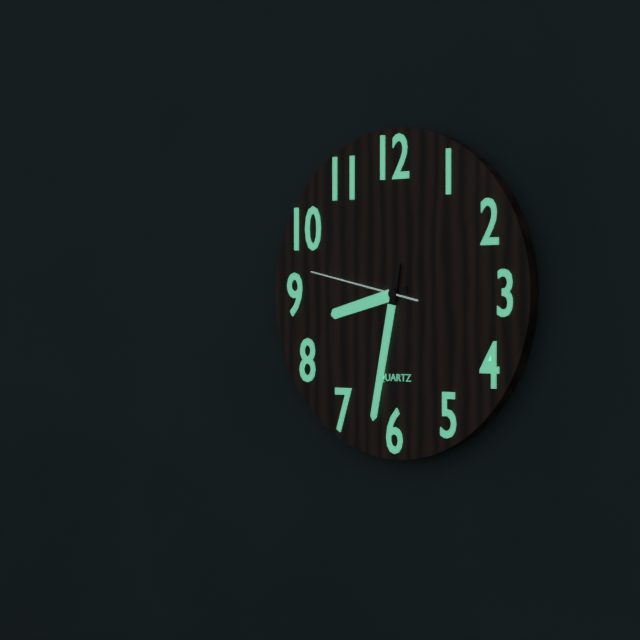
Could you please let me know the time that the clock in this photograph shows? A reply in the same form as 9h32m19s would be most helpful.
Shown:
8h32m47s
